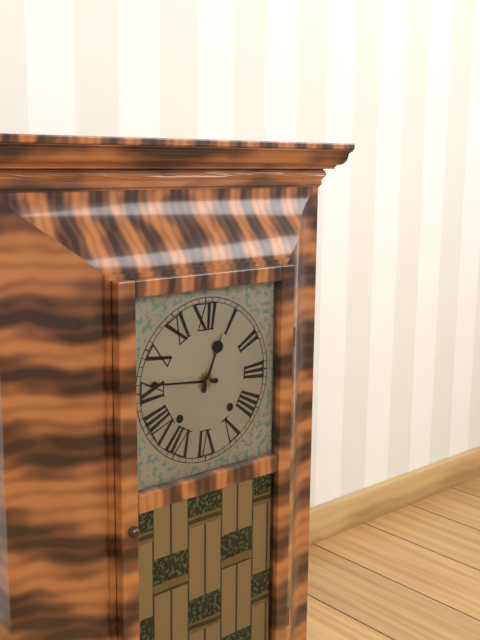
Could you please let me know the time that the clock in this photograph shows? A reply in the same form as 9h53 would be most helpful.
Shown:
12h46
